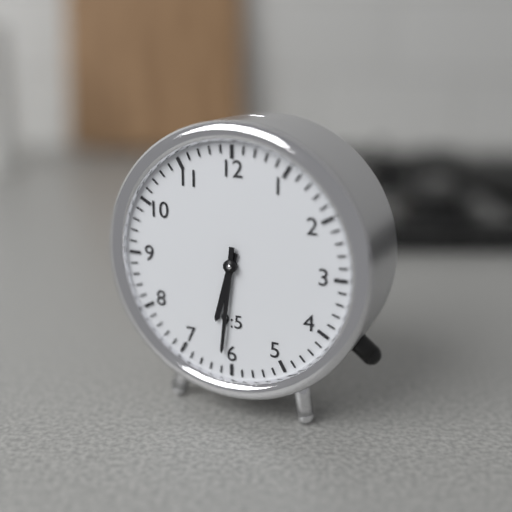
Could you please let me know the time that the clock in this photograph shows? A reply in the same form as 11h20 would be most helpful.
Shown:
6h31
